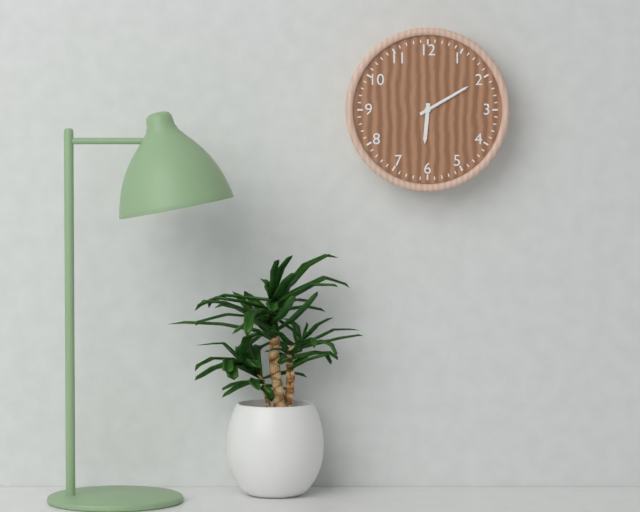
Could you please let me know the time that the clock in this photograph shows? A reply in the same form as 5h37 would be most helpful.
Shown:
6h10
